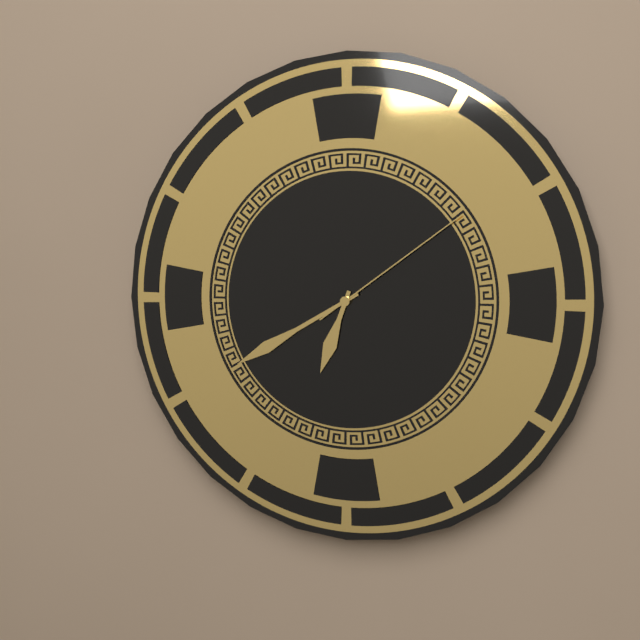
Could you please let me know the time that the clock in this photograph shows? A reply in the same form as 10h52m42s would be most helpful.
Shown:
6h40m09s
